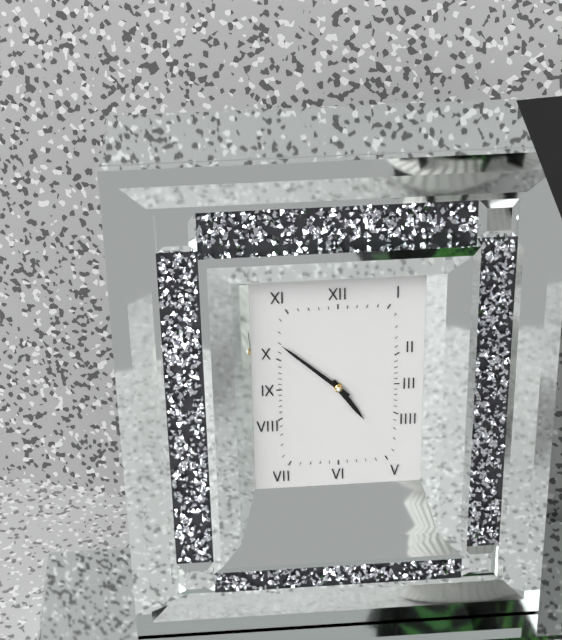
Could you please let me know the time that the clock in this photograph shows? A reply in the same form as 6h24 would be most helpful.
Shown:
4h52
